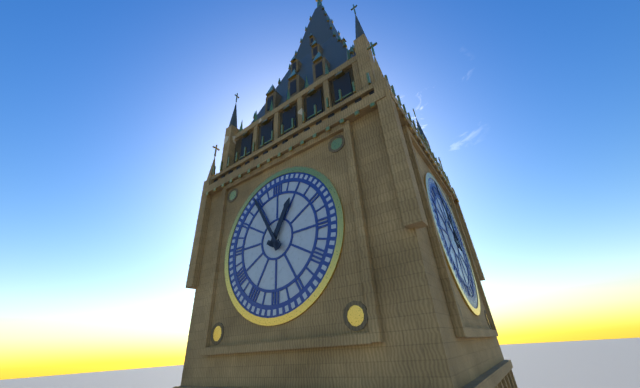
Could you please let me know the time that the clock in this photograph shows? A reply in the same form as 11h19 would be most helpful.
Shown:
12h55
